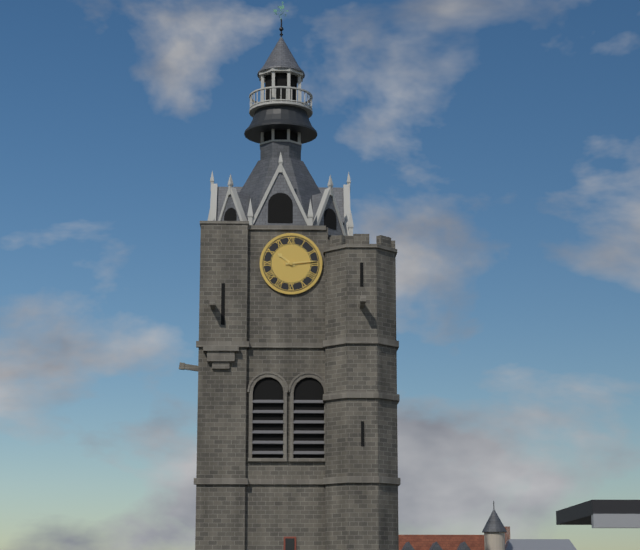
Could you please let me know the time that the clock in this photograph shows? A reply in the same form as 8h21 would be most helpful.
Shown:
10h14
